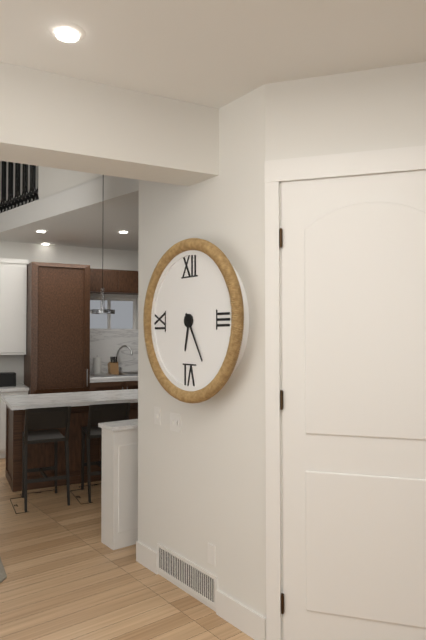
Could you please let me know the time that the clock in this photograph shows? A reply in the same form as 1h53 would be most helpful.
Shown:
6h25
